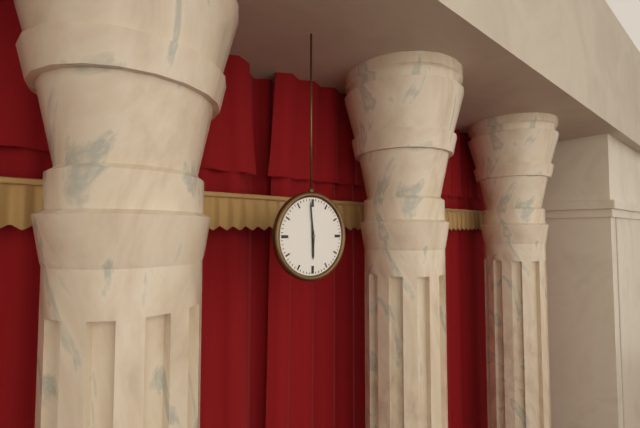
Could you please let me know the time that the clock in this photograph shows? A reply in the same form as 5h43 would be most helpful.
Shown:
5h59
